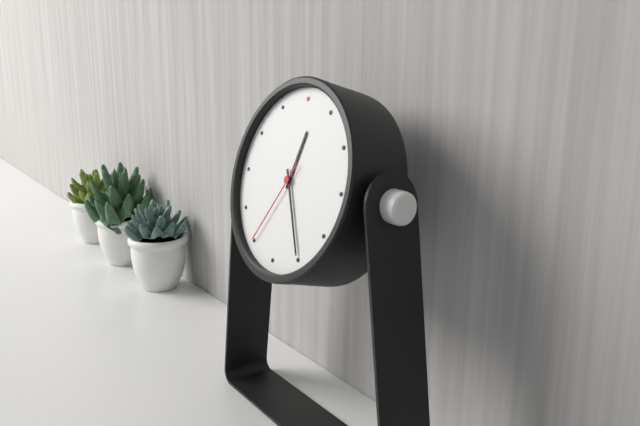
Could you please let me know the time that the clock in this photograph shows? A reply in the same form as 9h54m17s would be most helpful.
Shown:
12h25m35s
